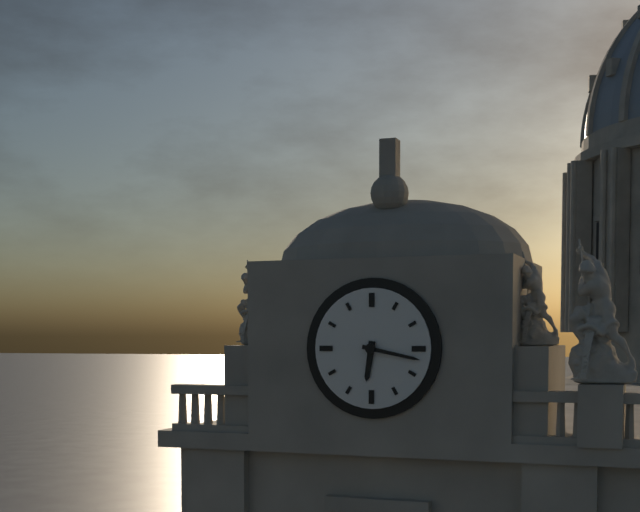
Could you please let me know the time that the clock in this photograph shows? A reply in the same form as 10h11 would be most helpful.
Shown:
6h17
